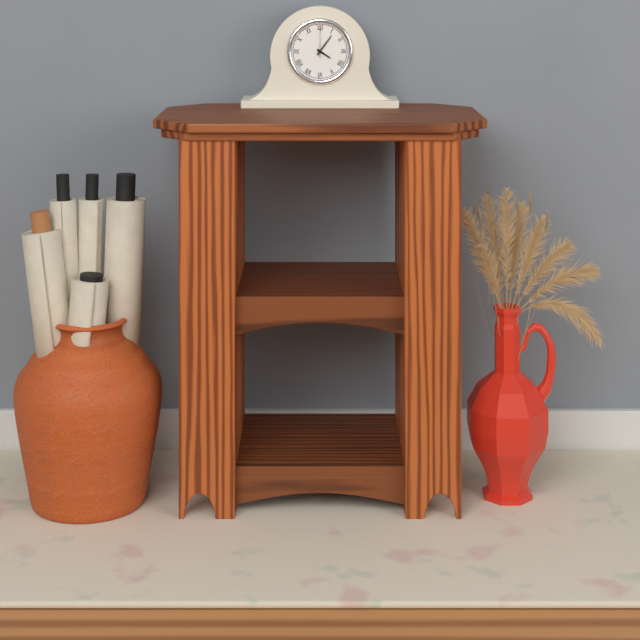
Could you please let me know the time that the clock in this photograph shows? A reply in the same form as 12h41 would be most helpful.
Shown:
4h06
